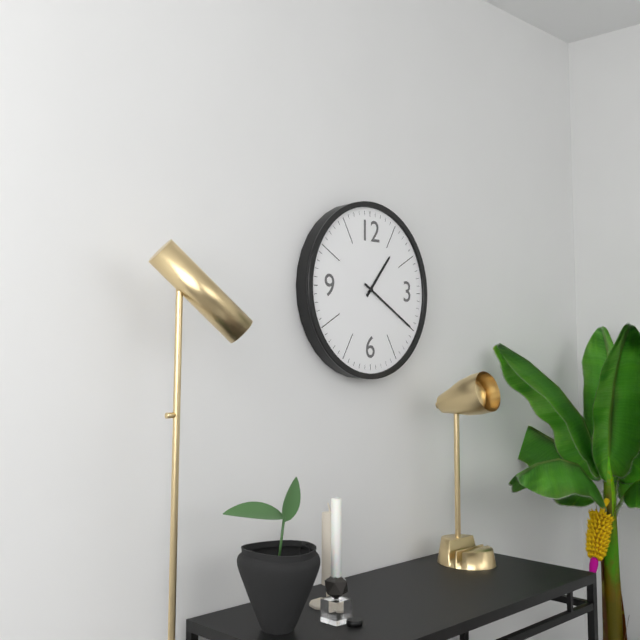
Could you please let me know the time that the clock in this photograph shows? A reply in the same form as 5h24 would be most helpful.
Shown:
1h20
